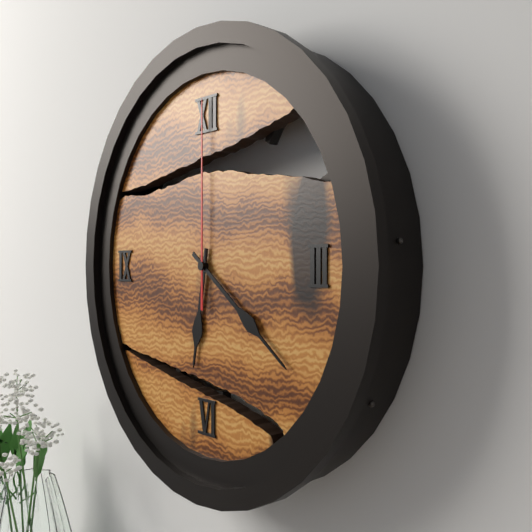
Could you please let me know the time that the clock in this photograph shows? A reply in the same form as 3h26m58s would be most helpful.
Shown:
6h21m00s
